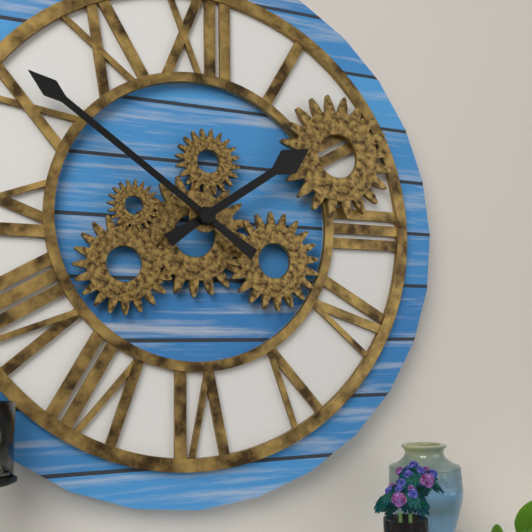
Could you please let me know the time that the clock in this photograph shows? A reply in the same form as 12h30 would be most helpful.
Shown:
1h51
